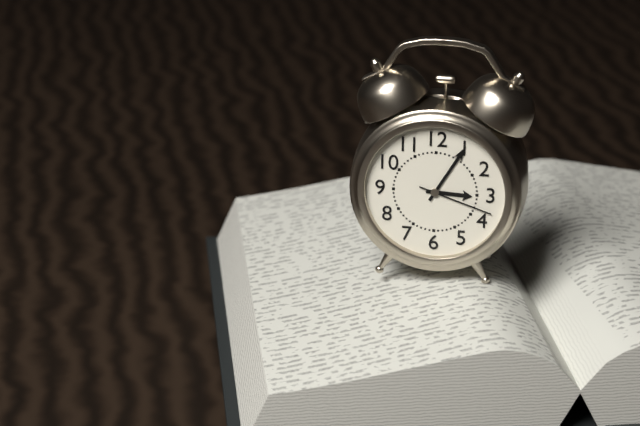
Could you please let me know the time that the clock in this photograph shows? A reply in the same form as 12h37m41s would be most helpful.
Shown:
3h05m18s
